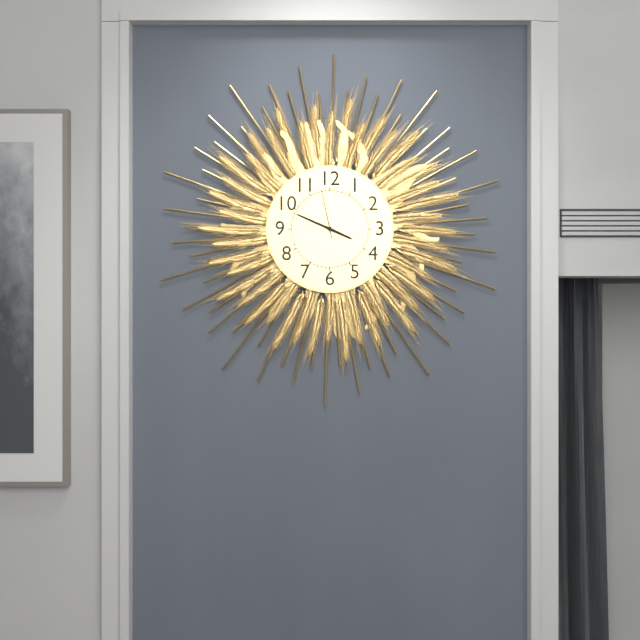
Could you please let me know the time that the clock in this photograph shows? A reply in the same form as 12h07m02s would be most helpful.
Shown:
3h49m58s
